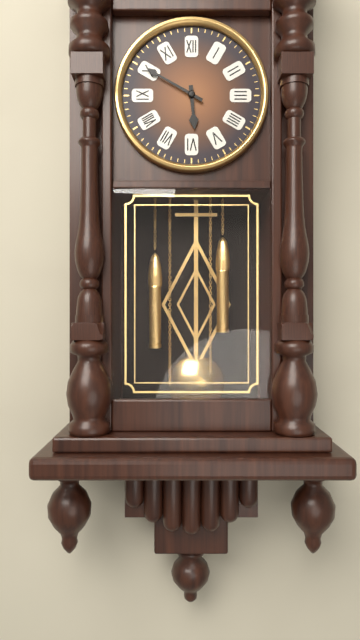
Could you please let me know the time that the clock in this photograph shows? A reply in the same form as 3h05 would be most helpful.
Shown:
5h50
